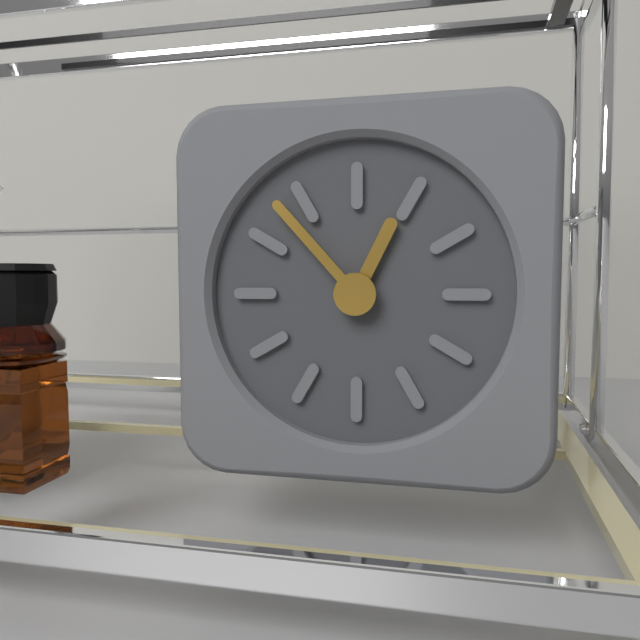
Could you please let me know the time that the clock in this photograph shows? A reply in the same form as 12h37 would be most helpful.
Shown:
12h53
